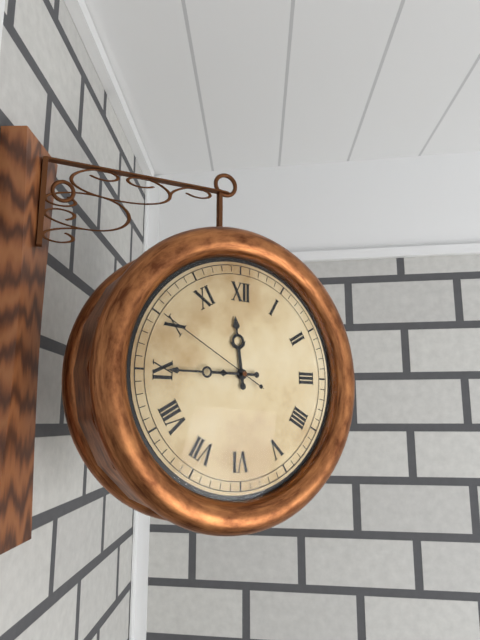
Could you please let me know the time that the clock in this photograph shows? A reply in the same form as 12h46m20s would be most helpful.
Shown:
11h45m50s
